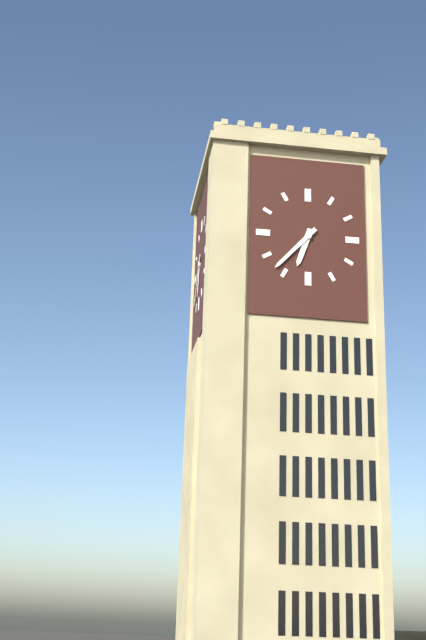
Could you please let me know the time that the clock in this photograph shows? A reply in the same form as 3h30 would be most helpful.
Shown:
6h37
